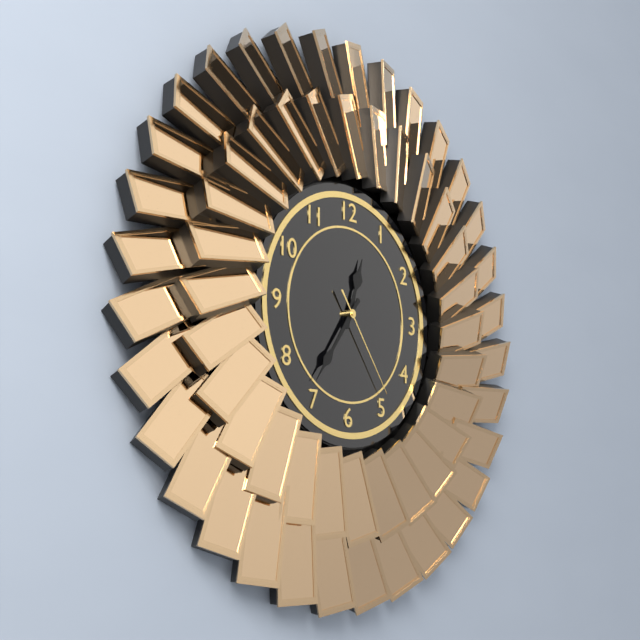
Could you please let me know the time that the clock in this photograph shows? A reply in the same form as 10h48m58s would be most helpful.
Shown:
12h36m24s
